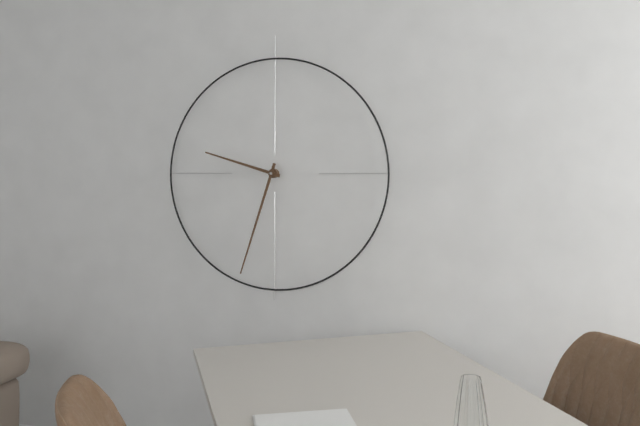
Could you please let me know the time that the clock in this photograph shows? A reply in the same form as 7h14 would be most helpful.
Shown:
9h33
